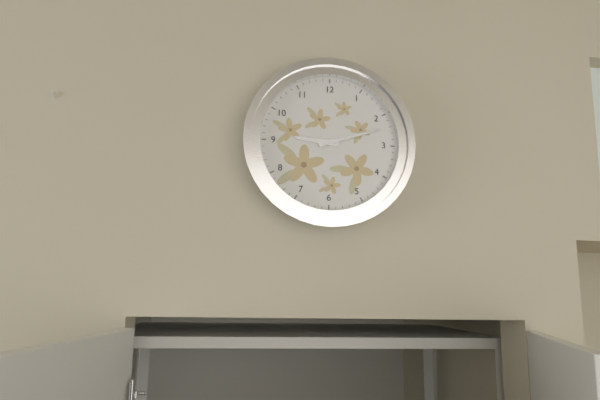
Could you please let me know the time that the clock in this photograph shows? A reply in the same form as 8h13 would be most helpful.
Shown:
9h12
